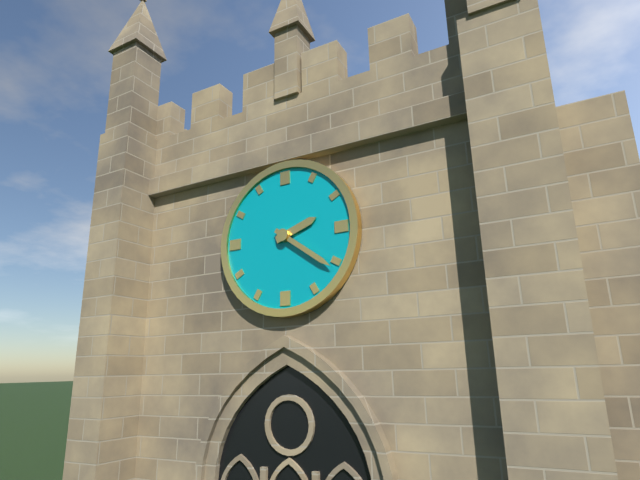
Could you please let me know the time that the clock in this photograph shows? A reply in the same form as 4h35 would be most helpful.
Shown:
2h21
